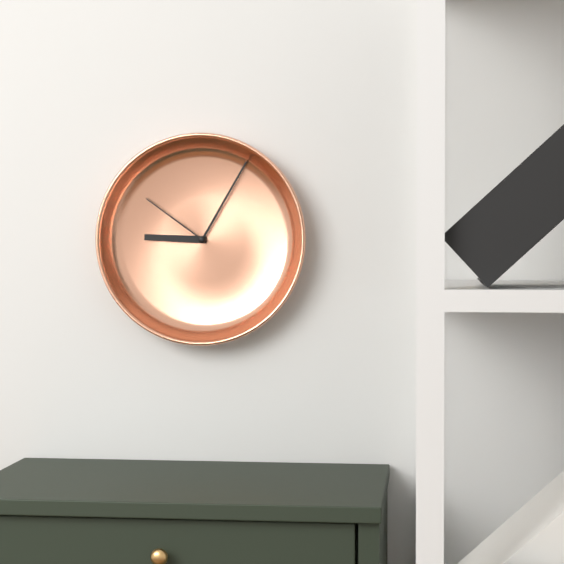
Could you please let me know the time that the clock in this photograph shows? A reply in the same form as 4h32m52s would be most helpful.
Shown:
9h05m51s
